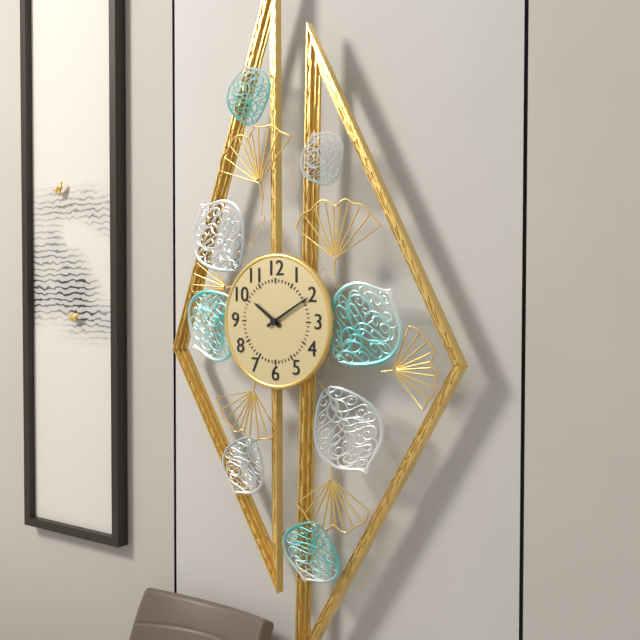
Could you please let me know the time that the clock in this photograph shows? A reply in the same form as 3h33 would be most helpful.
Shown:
10h10
